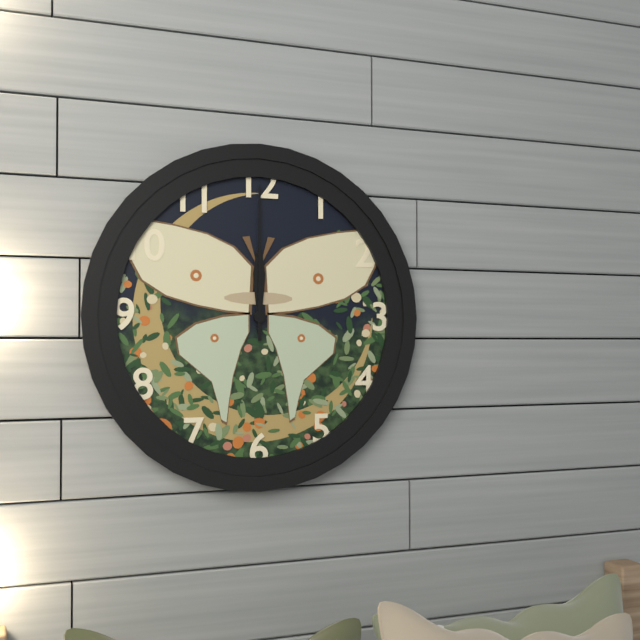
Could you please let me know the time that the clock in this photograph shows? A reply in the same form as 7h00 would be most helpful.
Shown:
12h00
